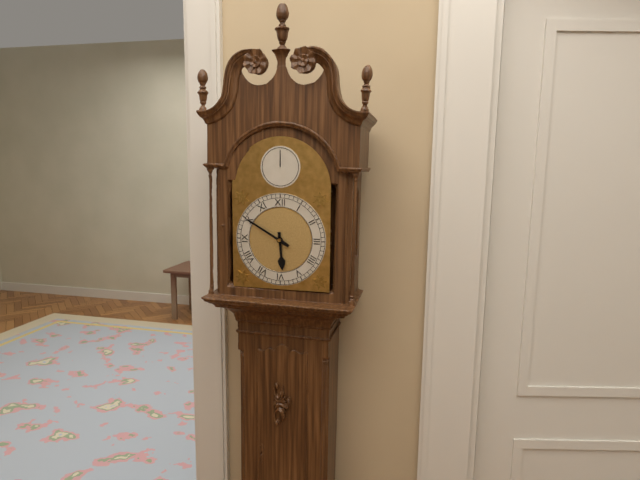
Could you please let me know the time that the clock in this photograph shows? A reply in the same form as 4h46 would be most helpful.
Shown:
5h50
